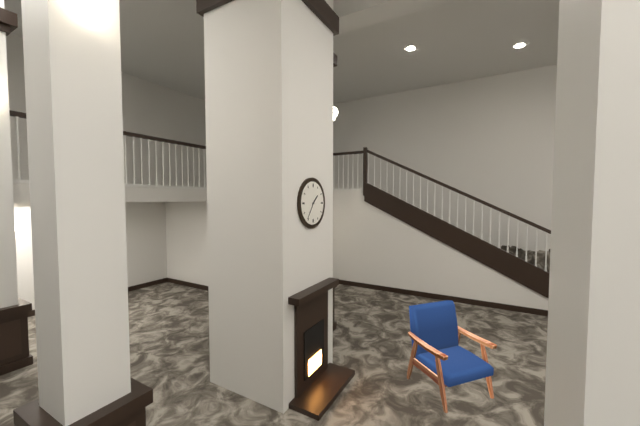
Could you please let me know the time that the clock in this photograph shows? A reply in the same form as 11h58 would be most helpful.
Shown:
1h36
